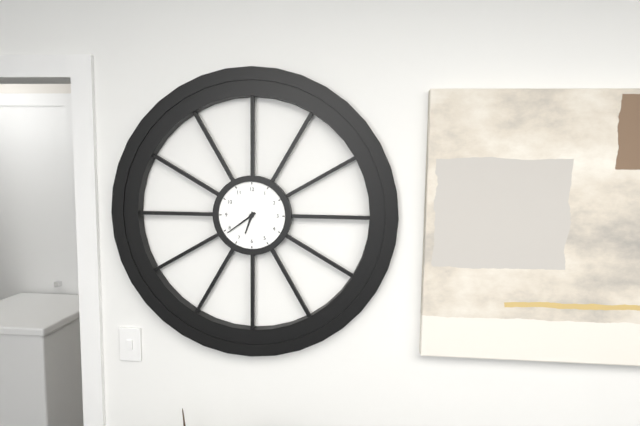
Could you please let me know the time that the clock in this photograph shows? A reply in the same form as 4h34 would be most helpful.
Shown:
6h39
